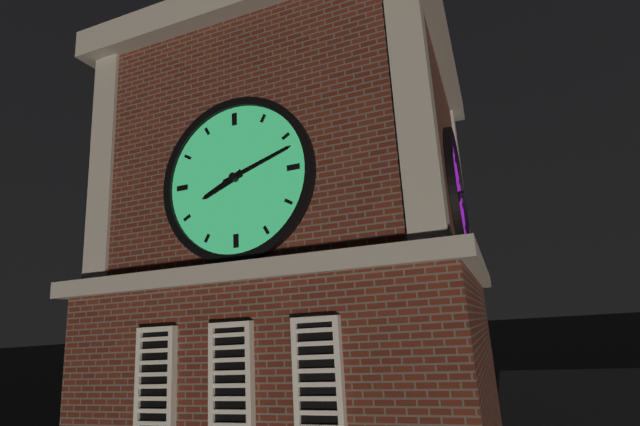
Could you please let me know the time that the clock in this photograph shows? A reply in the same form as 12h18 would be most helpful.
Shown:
8h12
